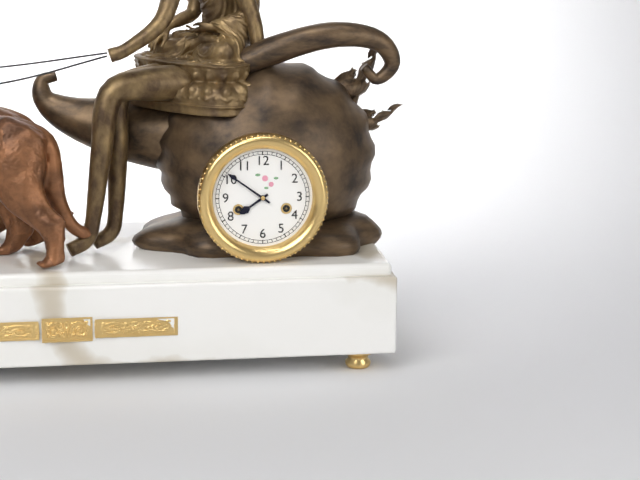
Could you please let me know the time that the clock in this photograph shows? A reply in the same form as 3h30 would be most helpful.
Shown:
7h51
